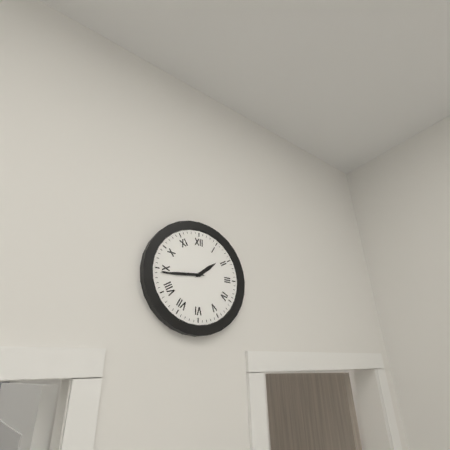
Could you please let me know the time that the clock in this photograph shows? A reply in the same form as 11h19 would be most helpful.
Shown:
1h44
